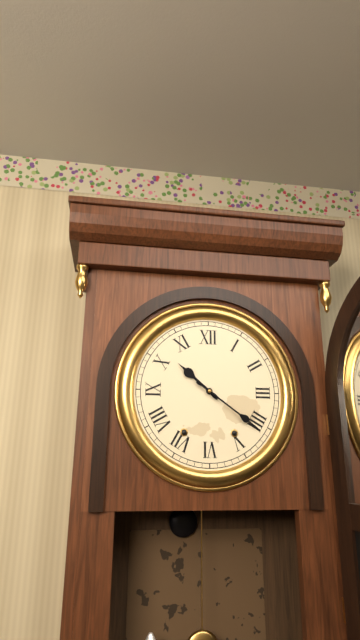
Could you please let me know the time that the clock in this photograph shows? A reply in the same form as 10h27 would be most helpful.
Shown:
10h21
